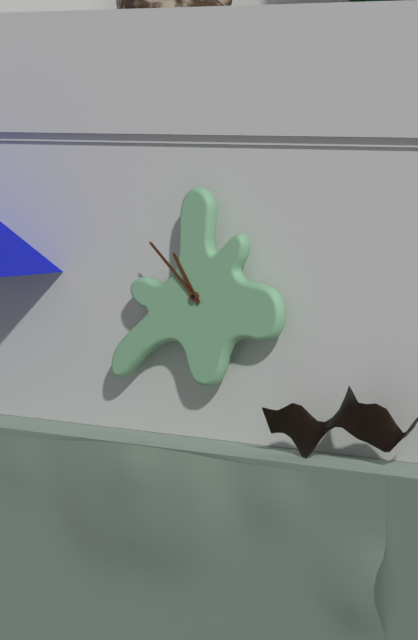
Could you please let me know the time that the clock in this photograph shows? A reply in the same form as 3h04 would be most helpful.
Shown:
10h52
